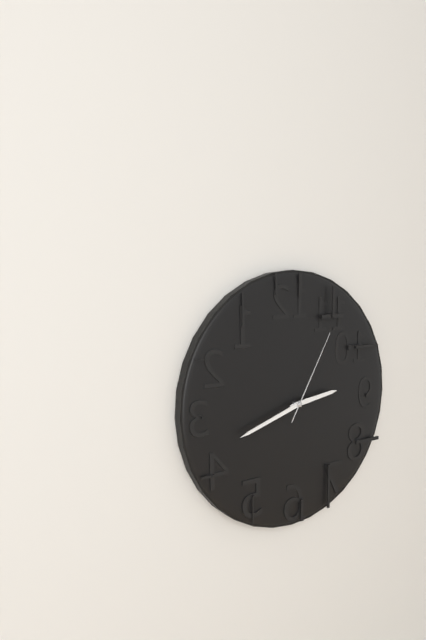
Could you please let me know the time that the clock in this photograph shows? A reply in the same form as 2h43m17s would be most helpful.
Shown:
2h42m05s
